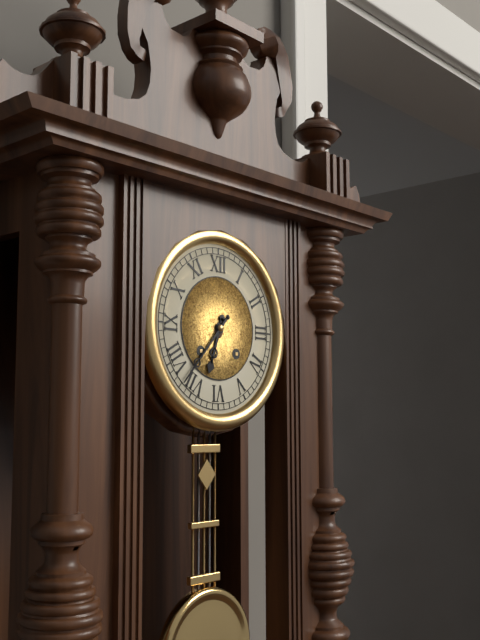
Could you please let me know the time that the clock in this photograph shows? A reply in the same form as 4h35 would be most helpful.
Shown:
6h37
